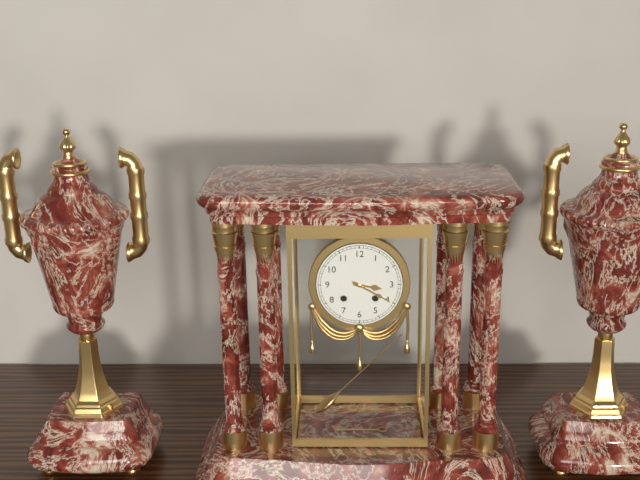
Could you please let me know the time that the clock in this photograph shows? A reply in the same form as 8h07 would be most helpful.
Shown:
3h20
